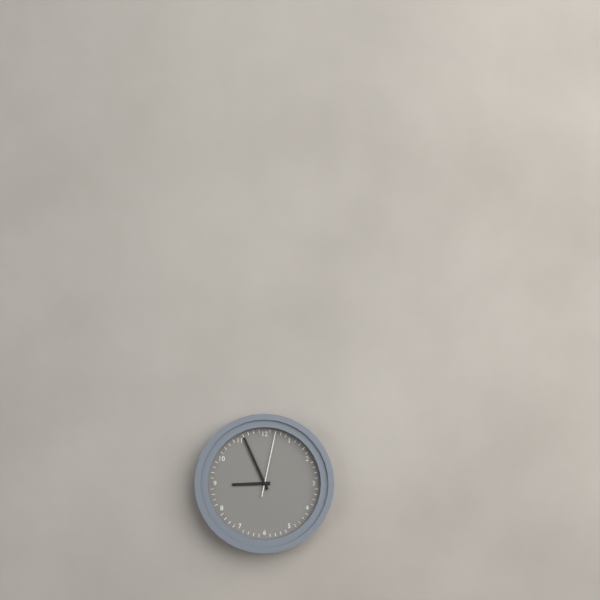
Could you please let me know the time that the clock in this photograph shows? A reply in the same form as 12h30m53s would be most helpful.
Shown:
8h56m02s
